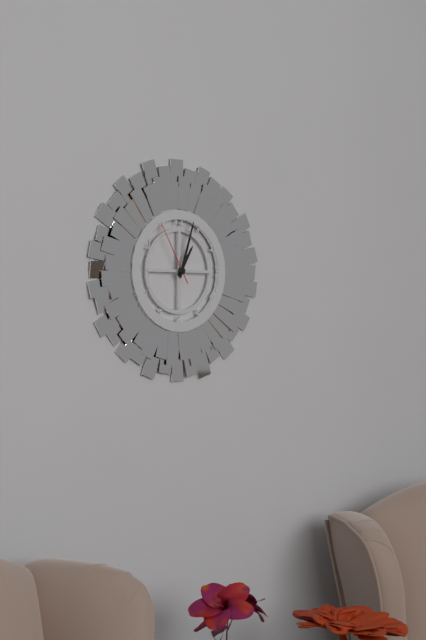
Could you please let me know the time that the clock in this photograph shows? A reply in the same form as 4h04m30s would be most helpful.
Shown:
1h03m55s
